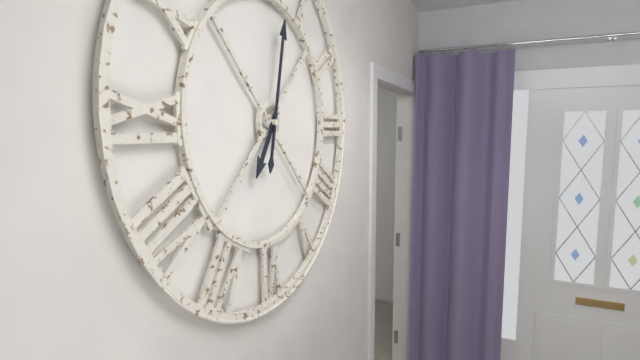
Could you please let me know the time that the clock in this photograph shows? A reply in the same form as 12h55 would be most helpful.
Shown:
7h02
